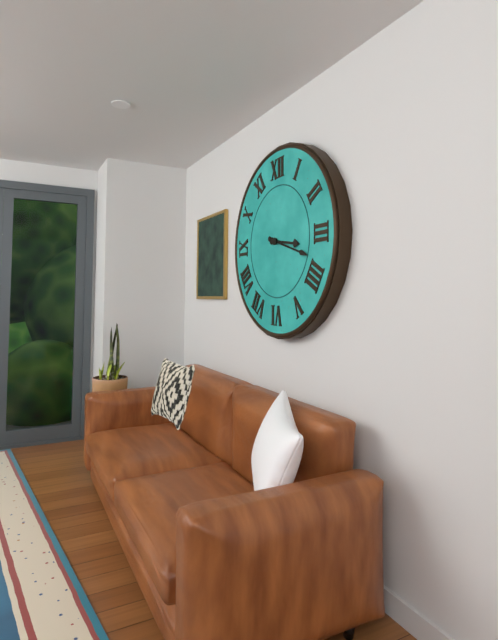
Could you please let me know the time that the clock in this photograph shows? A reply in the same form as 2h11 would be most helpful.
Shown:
3h18
